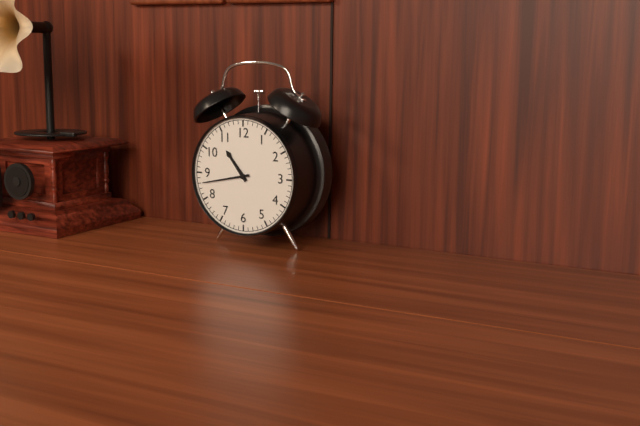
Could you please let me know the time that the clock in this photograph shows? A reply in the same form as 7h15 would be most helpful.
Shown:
10h43
